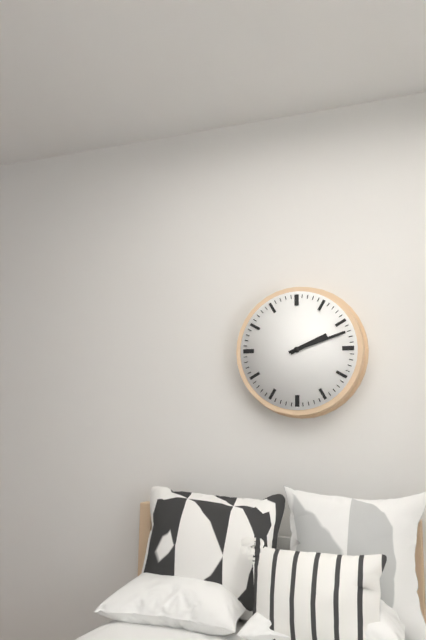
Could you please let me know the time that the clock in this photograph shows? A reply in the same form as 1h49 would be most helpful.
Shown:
2h12
